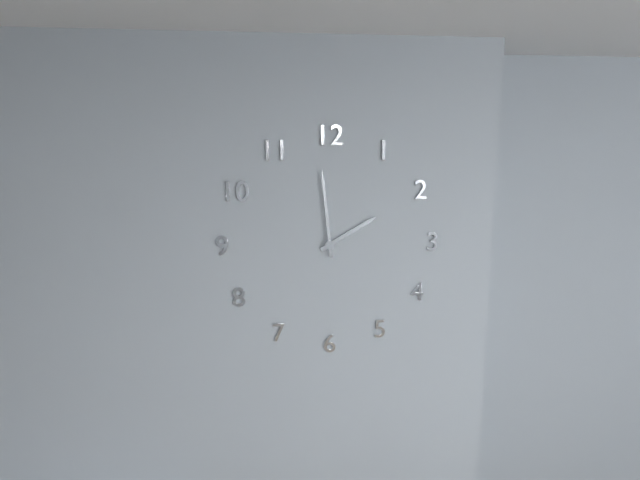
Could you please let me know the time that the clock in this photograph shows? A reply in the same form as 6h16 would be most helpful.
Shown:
1h59
